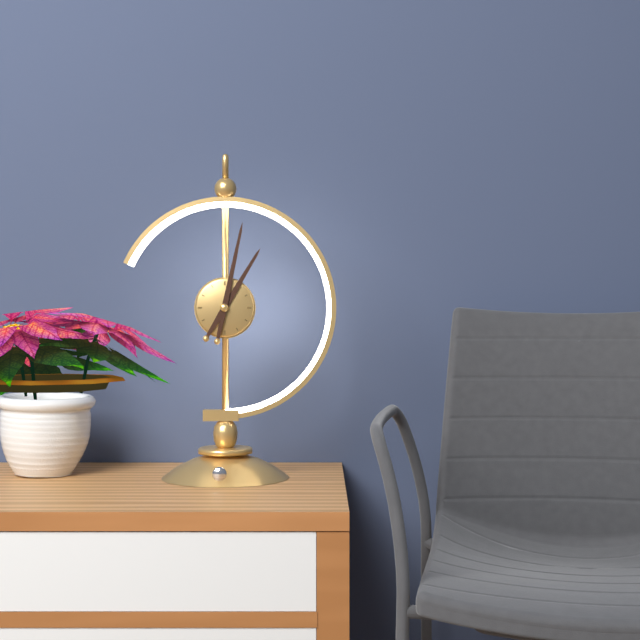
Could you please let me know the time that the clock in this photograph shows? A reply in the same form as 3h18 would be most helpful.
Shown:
1h02
